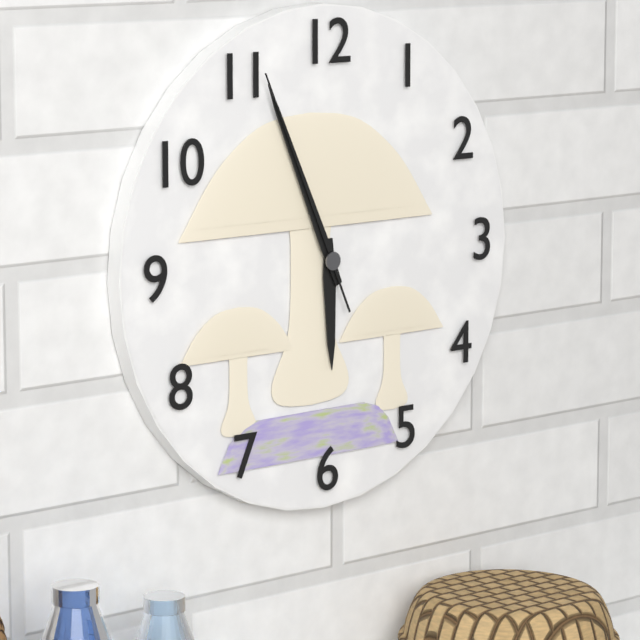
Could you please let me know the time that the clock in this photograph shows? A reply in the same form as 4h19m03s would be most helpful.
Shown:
5h56m56s
